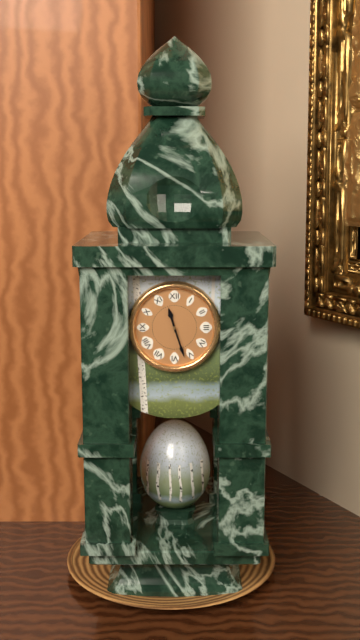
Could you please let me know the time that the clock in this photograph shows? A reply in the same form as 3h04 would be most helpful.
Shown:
11h27
